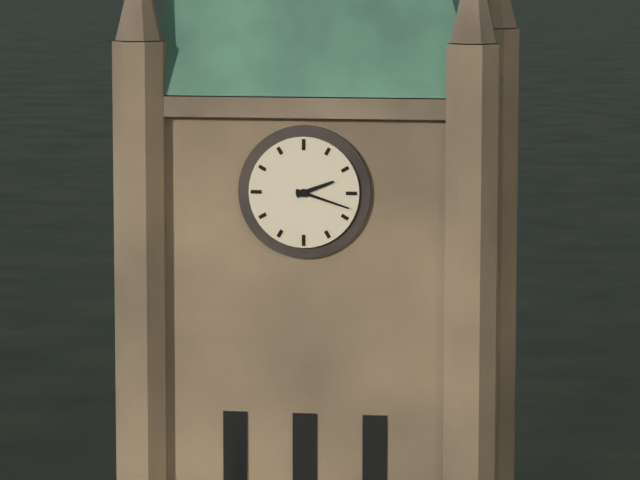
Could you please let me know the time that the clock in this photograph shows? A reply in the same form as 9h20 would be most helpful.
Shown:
2h18
